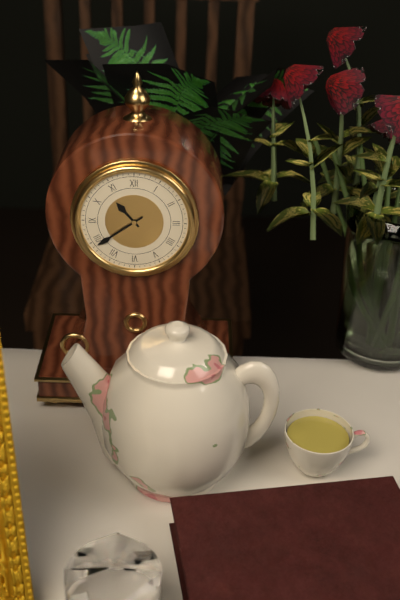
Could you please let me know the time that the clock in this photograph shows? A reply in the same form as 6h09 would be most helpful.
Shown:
10h39
